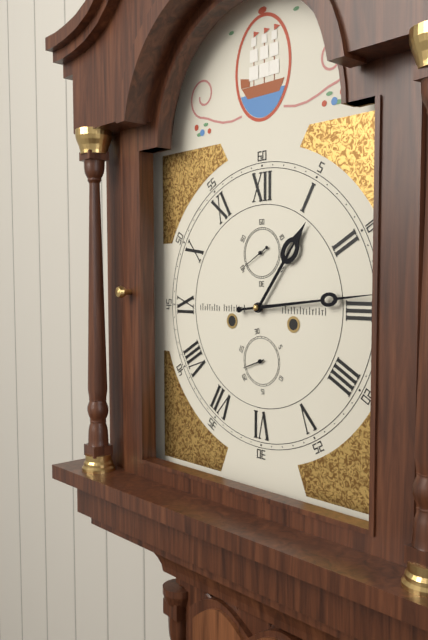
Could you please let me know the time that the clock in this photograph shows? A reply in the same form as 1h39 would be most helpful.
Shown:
1h14
